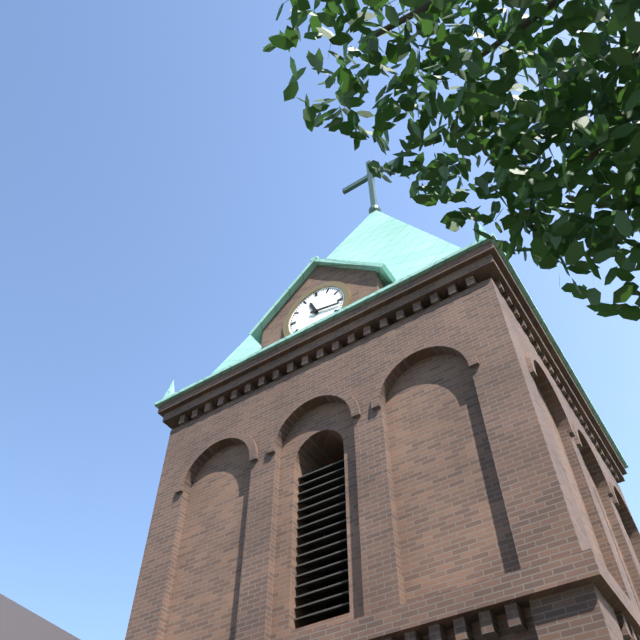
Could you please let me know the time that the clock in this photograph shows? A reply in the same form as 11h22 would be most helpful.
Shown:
11h17
